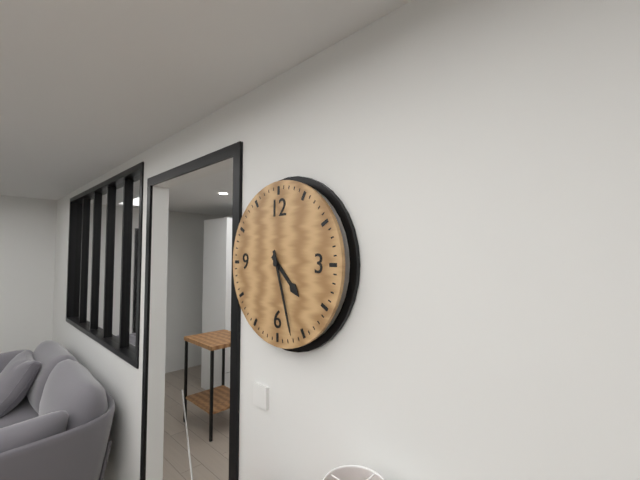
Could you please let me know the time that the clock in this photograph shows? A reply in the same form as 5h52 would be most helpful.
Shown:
4h27
